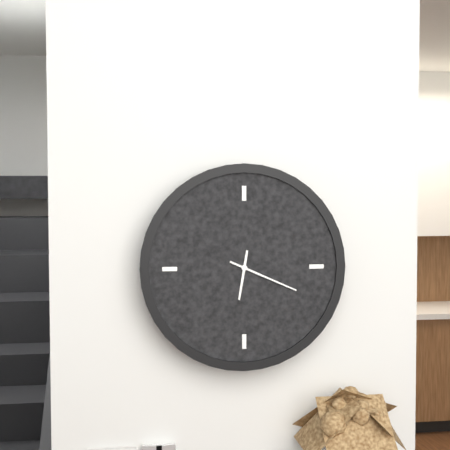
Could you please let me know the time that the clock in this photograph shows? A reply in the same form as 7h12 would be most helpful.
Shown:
6h19
